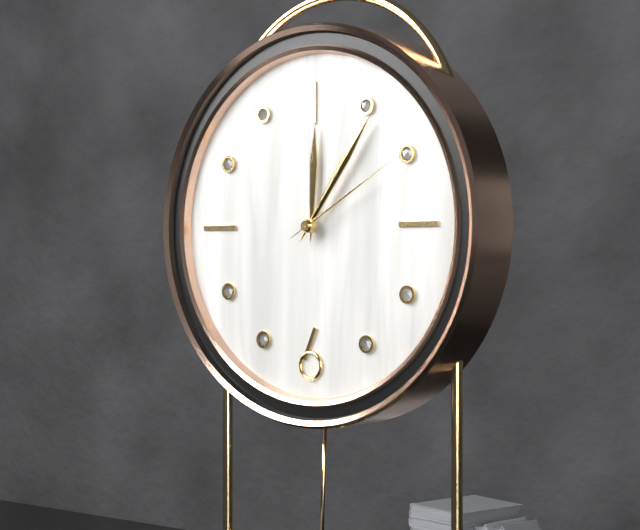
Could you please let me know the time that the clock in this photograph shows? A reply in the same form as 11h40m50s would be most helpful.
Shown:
12h06m10s
